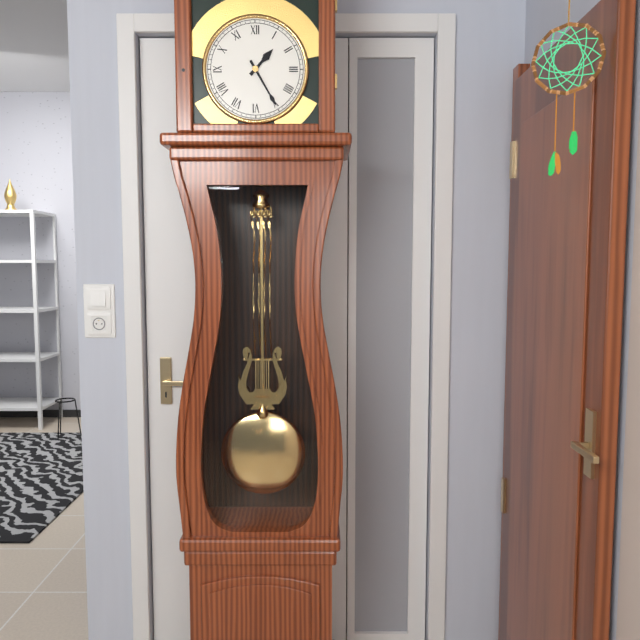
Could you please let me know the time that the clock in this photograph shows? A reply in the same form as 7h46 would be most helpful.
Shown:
1h25
